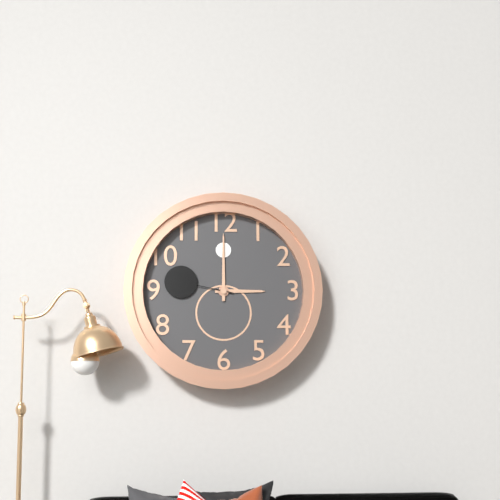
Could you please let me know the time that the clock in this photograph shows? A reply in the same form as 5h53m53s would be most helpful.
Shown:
3h00m47s
